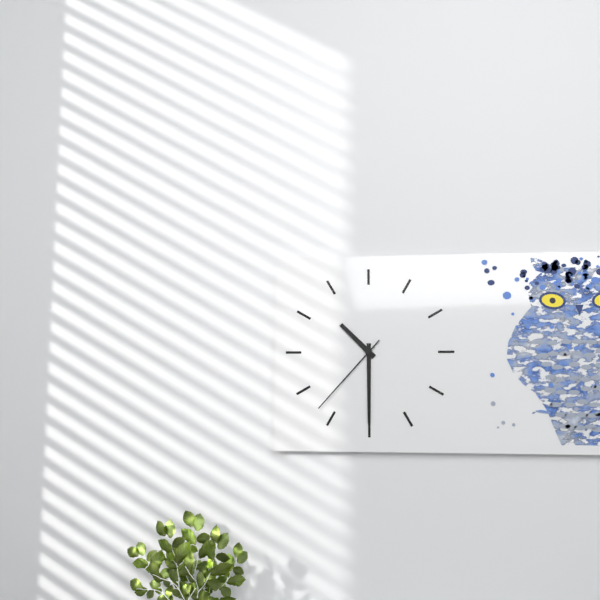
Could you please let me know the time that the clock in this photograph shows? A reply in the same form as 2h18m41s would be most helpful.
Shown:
10h30m37s
